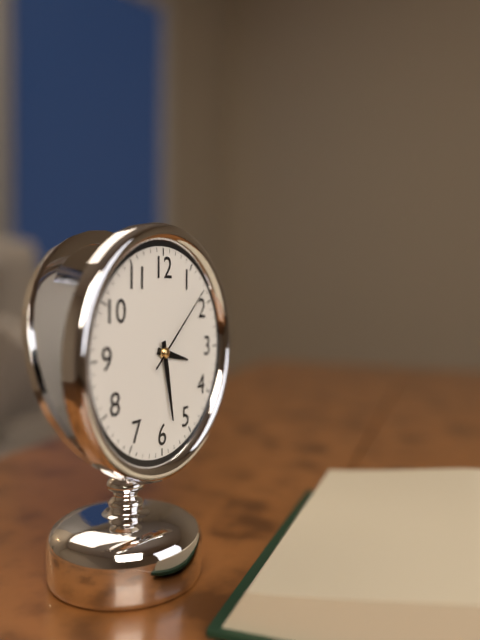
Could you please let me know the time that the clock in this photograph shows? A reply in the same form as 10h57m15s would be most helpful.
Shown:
3h28m08s
